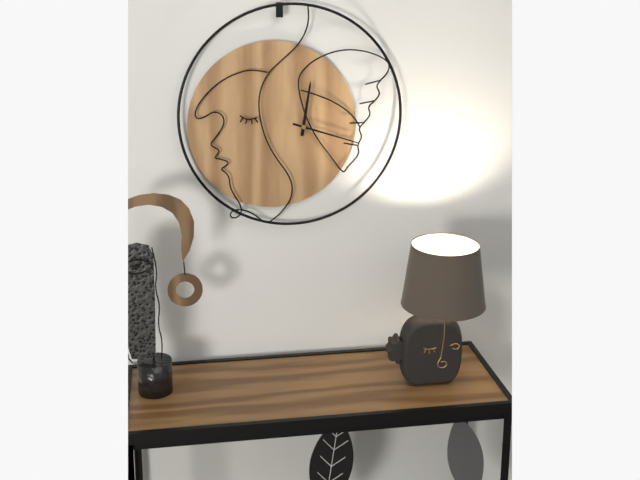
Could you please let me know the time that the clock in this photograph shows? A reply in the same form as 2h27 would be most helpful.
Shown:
12h18
